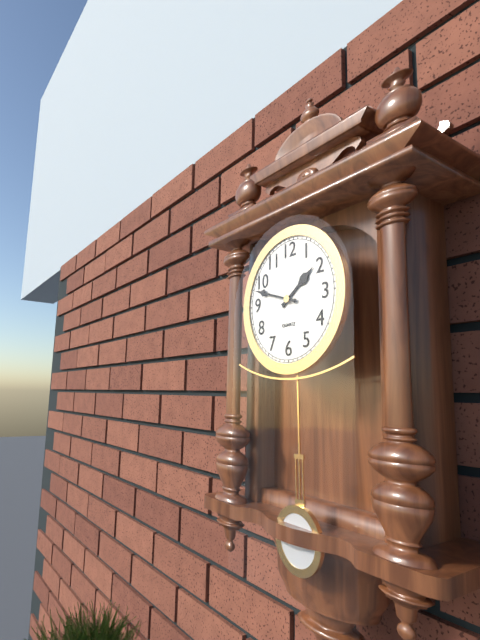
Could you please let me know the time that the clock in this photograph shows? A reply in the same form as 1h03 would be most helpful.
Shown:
1h48
